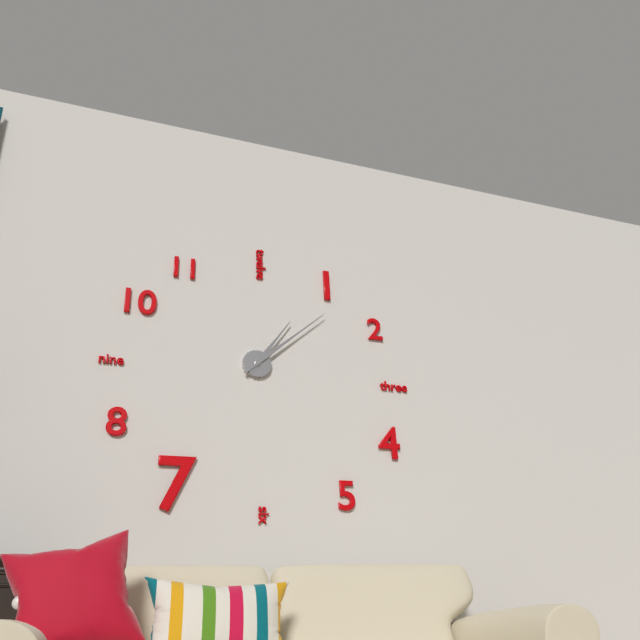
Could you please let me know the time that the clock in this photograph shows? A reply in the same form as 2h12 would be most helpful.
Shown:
1h08
